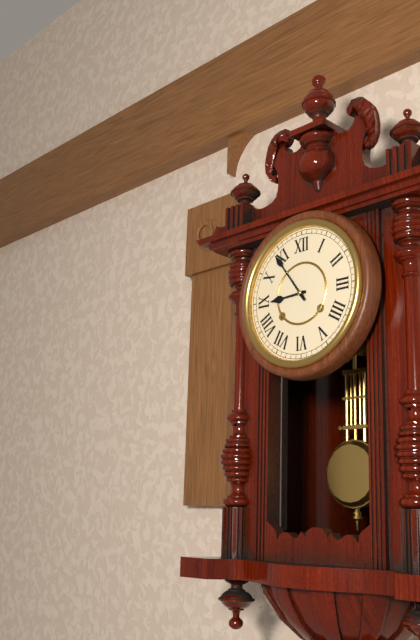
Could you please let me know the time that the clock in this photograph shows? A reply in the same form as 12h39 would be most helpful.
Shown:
8h54
